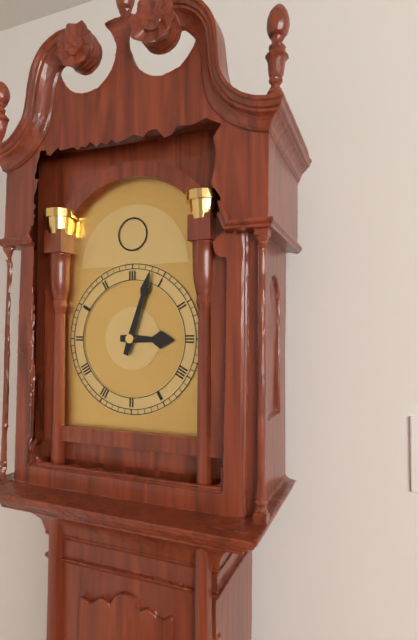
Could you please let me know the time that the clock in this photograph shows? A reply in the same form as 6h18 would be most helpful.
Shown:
3h03
